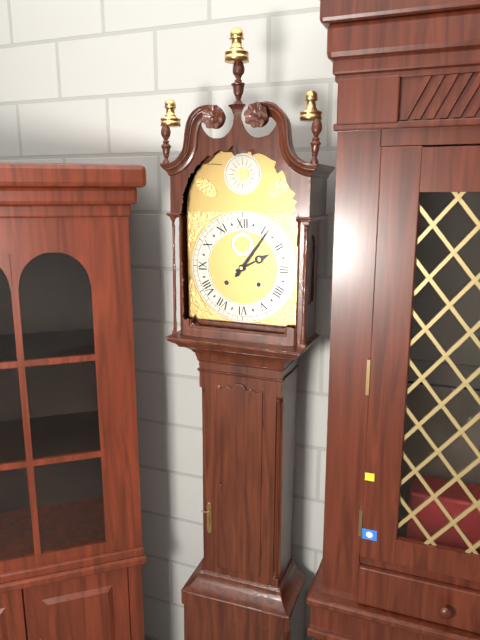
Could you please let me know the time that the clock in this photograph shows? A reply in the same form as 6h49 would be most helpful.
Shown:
2h06
